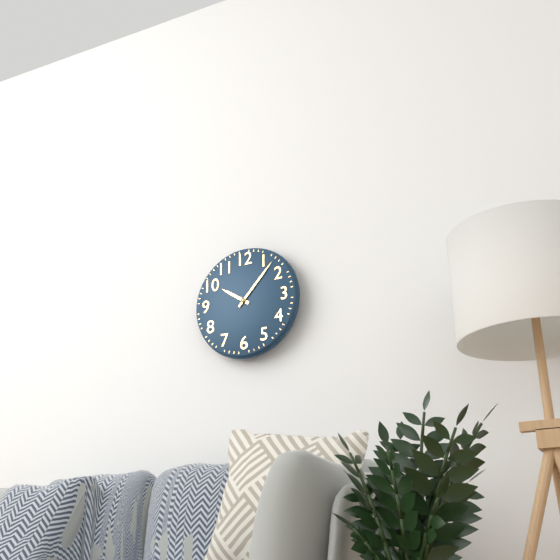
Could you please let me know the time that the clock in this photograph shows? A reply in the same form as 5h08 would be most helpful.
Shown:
10h07
